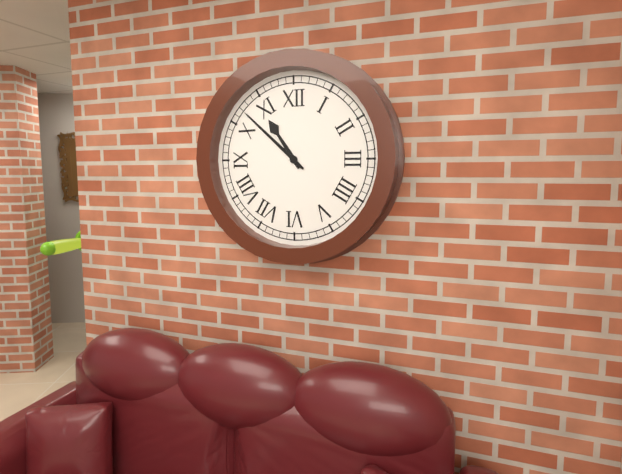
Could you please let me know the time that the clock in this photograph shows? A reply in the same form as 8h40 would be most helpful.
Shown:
10h52
